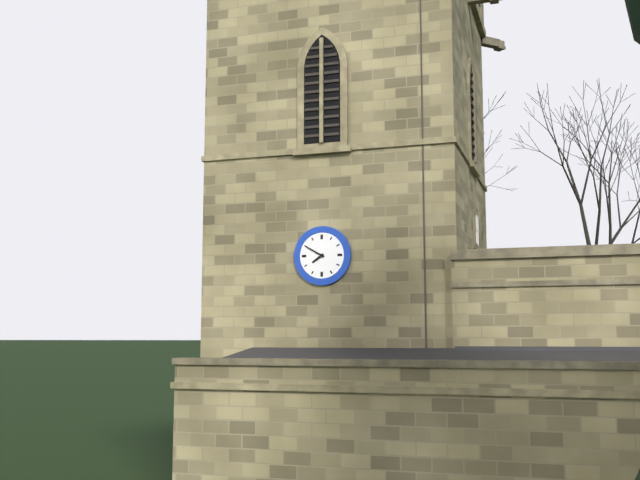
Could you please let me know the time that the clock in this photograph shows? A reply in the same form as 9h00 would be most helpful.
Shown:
7h50
